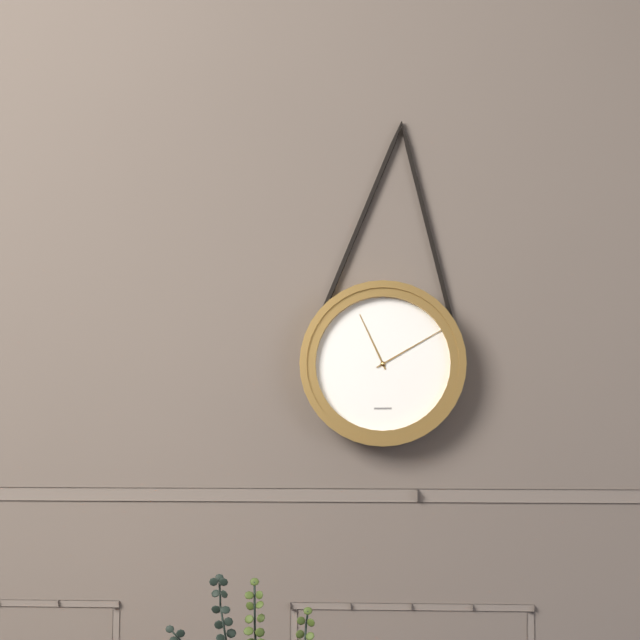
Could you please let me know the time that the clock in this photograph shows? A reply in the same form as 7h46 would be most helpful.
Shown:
11h10
